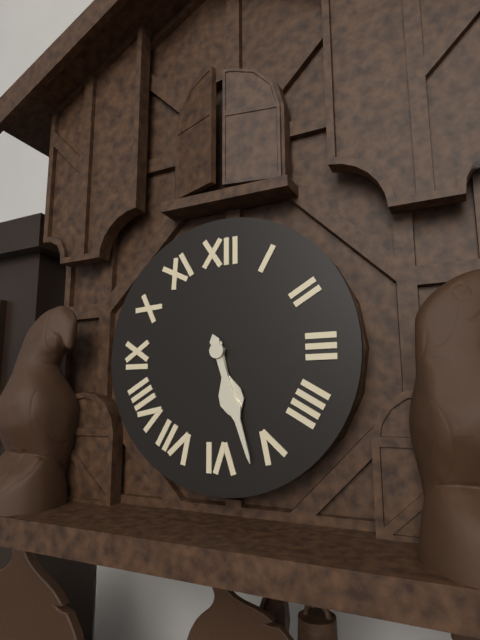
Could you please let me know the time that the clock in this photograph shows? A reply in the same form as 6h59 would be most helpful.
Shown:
5h27
